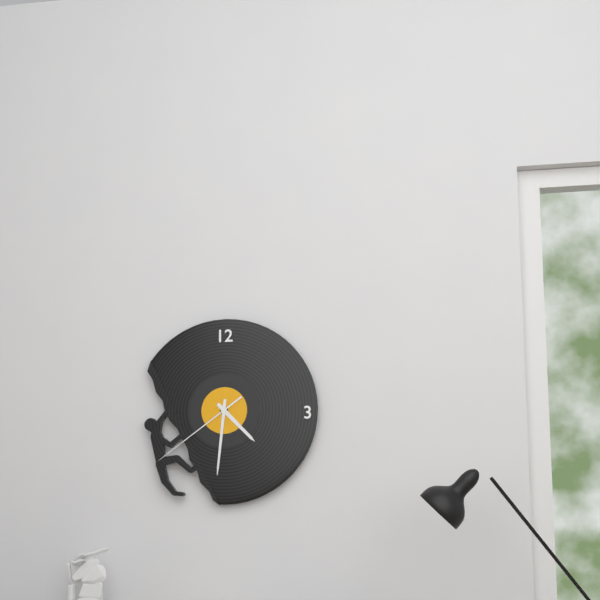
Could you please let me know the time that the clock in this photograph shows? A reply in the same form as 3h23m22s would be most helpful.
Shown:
4h31m39s
